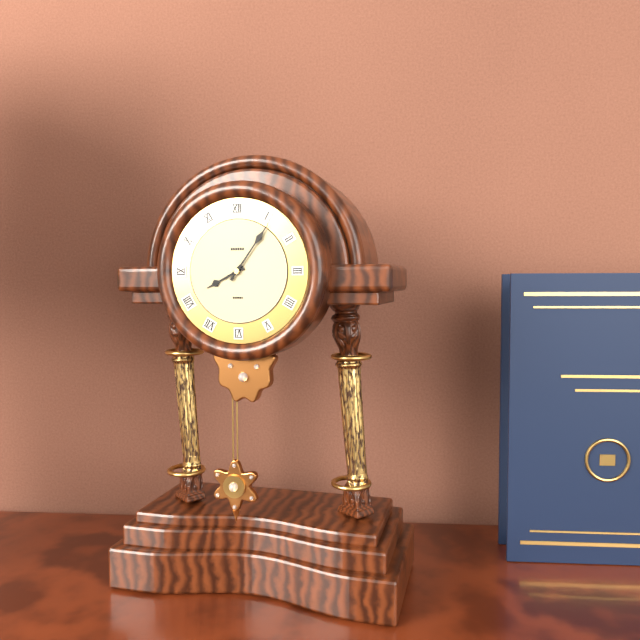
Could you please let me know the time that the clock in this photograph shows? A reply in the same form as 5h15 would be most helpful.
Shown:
8h06
